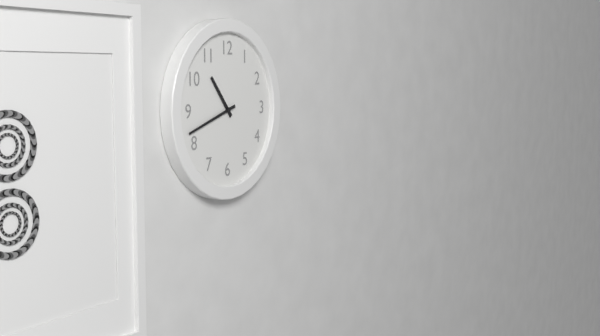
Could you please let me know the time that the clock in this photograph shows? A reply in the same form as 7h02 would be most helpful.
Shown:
10h42
